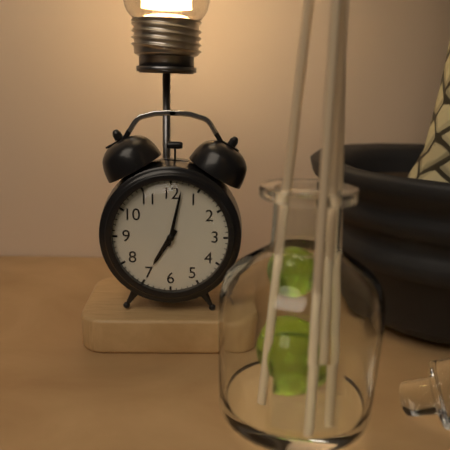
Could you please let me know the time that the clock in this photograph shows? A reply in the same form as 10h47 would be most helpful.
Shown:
7h02
